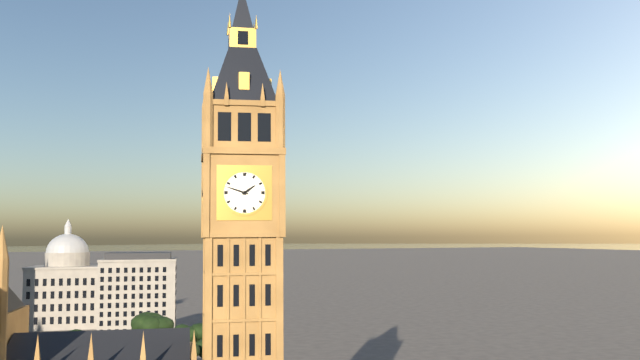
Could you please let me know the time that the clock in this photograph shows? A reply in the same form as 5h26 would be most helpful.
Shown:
1h48
